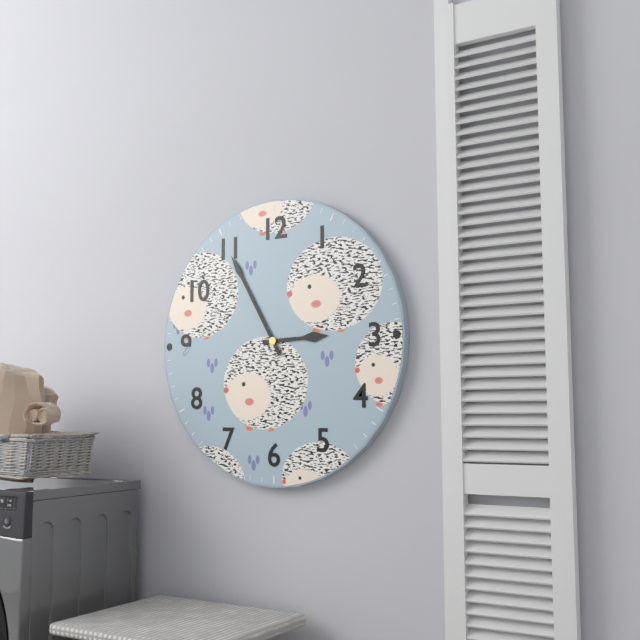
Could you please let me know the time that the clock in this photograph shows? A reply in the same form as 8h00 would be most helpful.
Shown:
2h55
